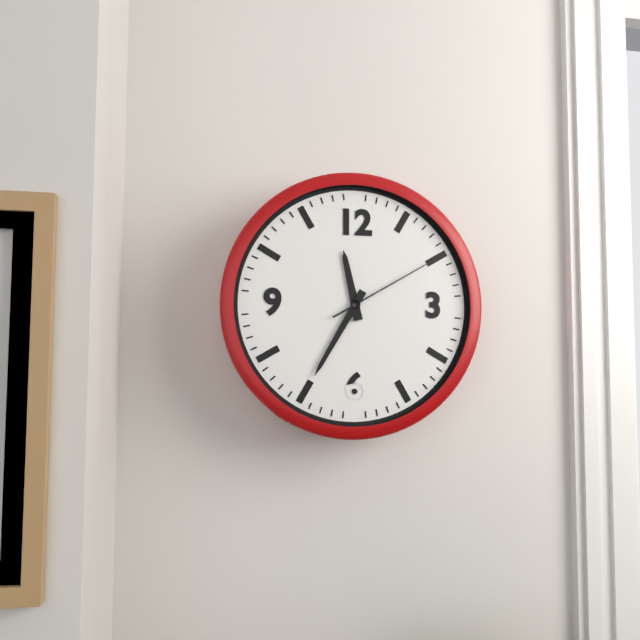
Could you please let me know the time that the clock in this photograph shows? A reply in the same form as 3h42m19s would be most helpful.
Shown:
11h35m10s
